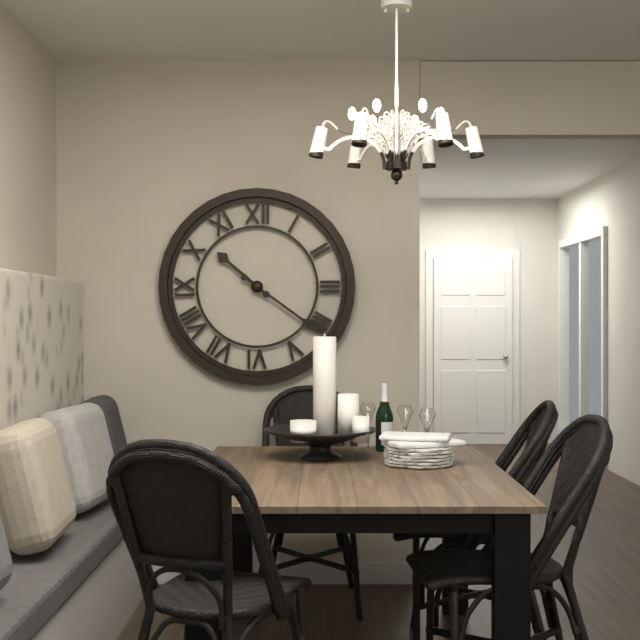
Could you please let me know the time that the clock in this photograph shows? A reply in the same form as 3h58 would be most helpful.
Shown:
10h21
